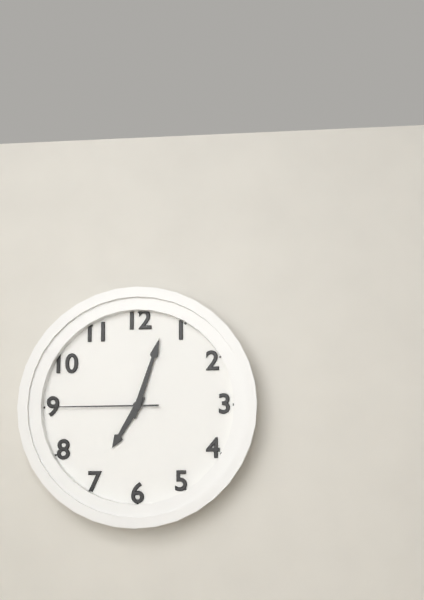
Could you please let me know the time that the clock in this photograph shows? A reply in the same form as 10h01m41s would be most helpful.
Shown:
7h03m45s
